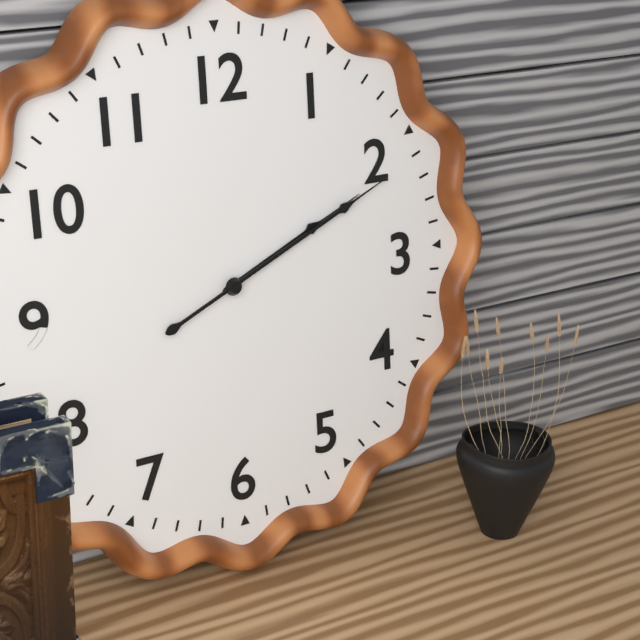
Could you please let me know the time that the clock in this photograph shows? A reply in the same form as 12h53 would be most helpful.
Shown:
2h11
